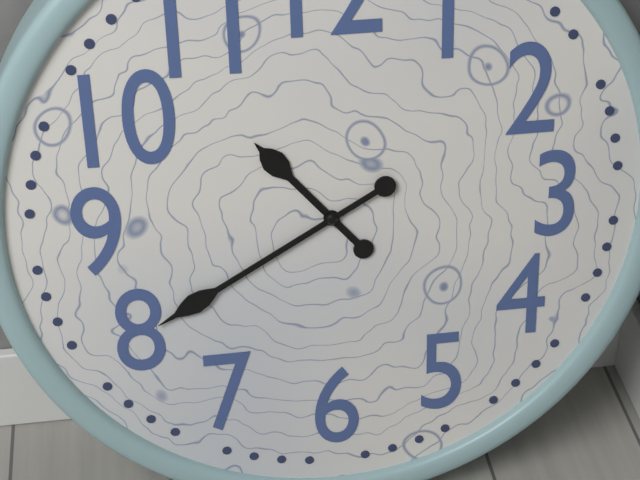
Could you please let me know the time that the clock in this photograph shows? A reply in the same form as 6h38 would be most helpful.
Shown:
10h40
